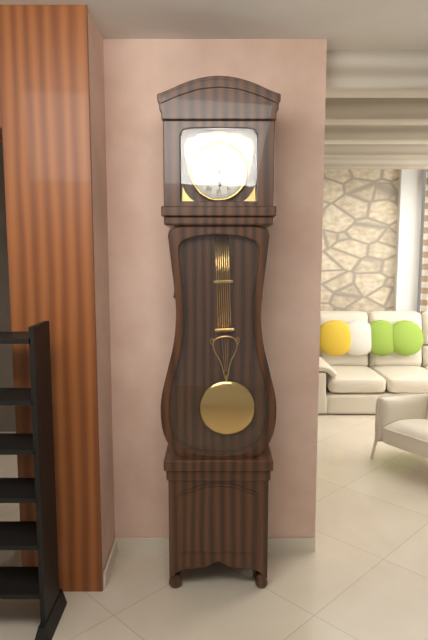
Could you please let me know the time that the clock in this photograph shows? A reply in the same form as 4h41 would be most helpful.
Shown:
5h52
